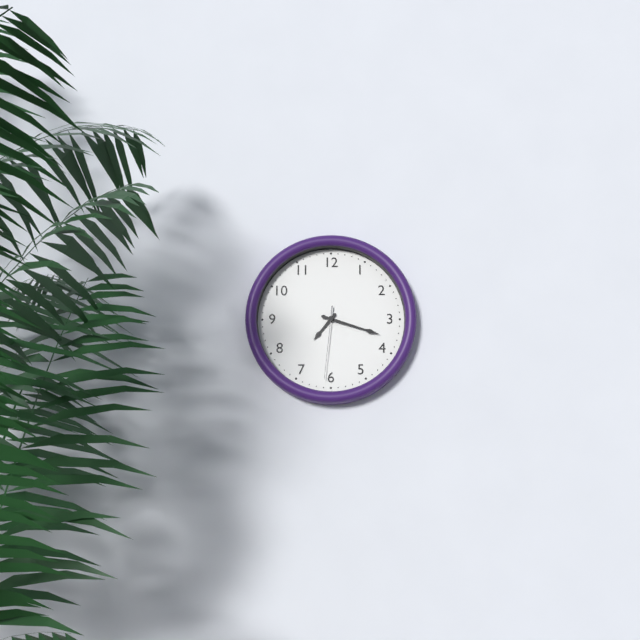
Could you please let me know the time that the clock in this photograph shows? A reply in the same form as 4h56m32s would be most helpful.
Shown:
7h18m31s
